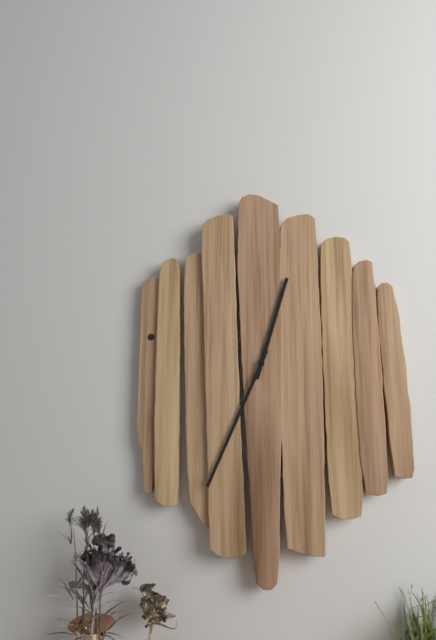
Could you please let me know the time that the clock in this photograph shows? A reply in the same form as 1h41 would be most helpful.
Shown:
12h34
